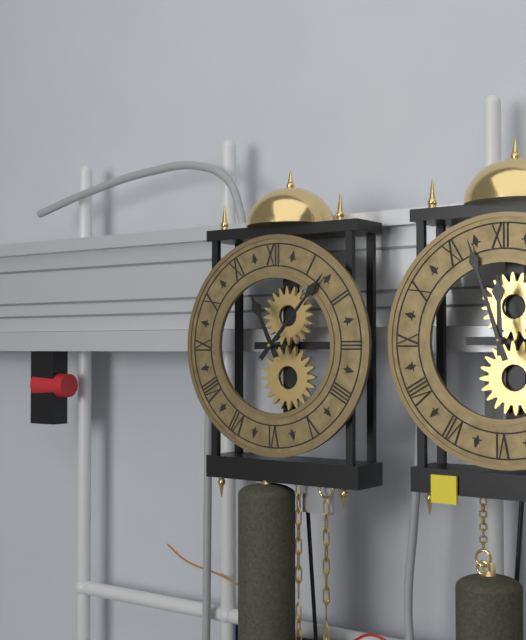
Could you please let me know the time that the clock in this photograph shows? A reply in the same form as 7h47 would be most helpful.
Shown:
11h07
